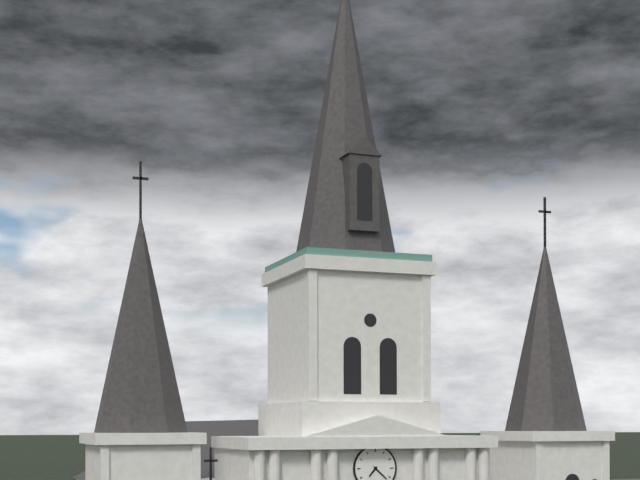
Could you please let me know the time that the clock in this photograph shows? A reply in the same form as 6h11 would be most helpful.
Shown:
7h22
